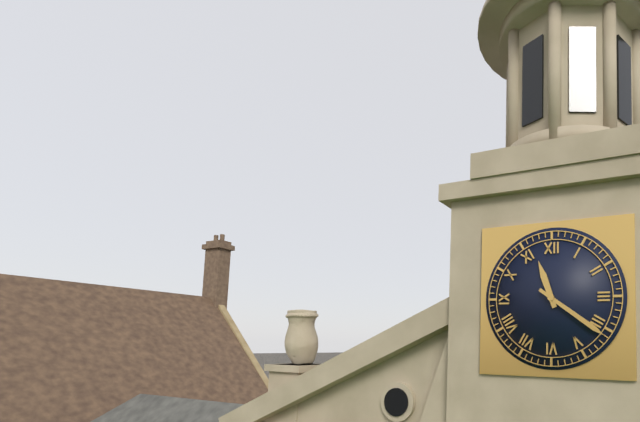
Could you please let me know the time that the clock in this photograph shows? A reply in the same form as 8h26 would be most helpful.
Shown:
11h21
